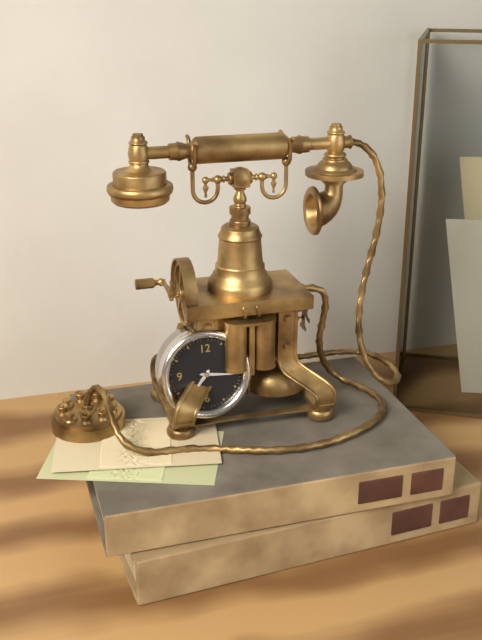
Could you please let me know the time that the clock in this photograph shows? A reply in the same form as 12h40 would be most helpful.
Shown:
7h16
